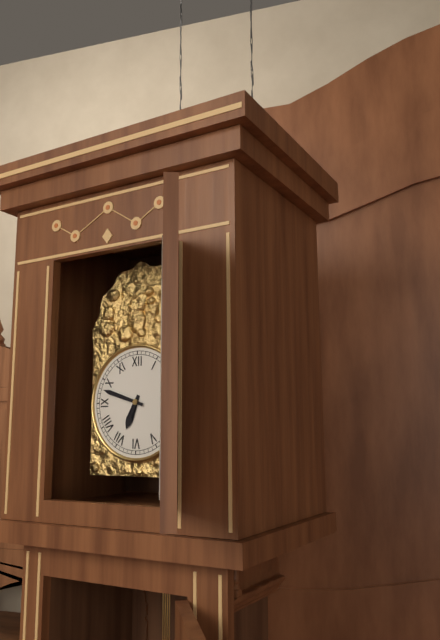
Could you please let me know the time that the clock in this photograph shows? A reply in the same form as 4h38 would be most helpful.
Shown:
6h48
